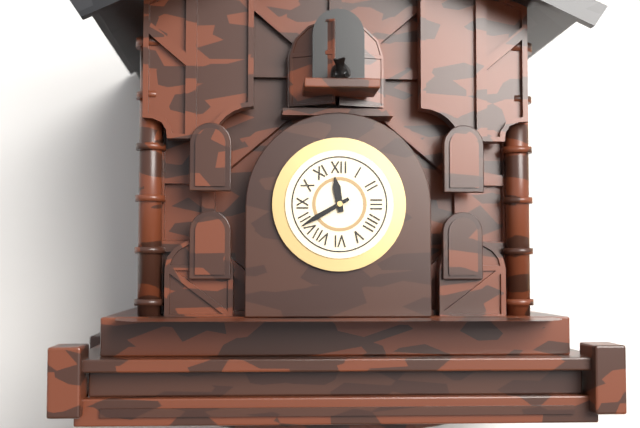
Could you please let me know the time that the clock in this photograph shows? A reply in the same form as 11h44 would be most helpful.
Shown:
11h40
